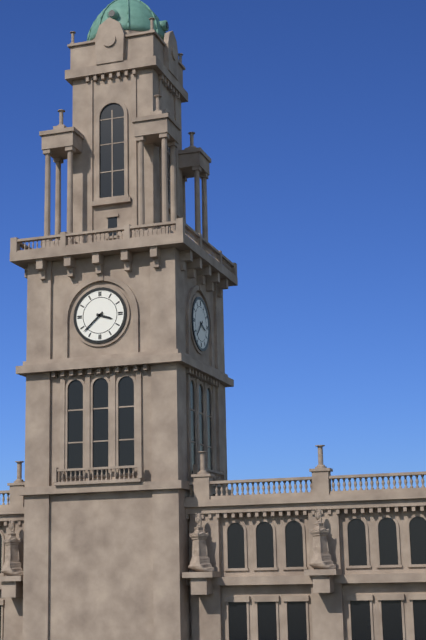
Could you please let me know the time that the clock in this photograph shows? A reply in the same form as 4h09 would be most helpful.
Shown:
3h38
